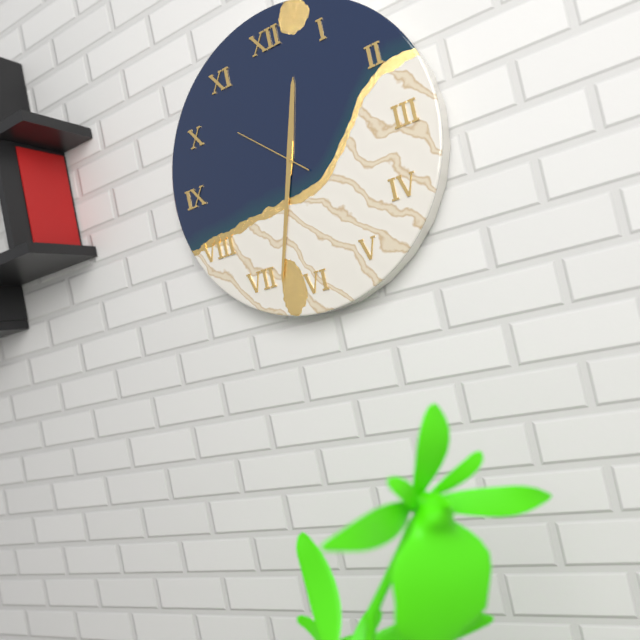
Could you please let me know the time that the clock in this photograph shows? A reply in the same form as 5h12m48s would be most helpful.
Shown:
12h33m52s
